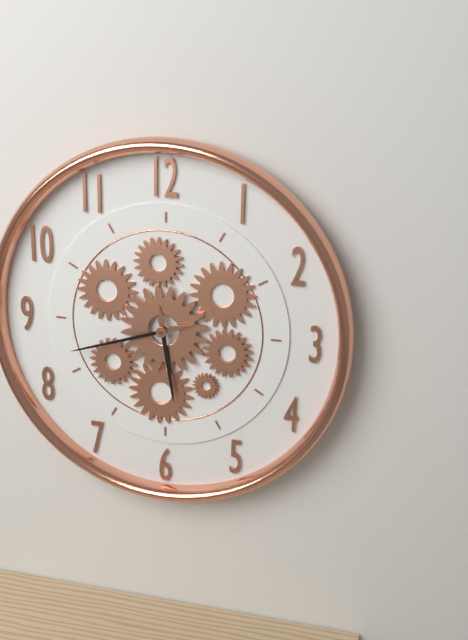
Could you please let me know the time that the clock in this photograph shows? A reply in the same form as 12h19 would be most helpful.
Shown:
5h42
